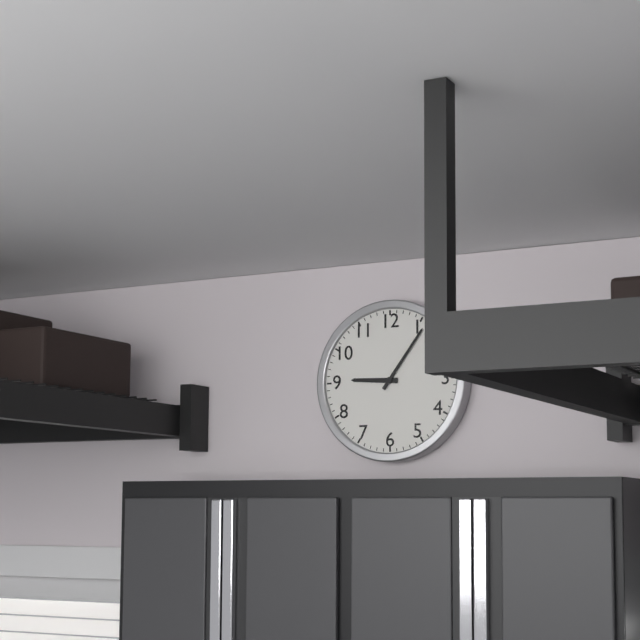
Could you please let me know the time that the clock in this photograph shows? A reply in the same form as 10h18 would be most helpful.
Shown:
9h06
